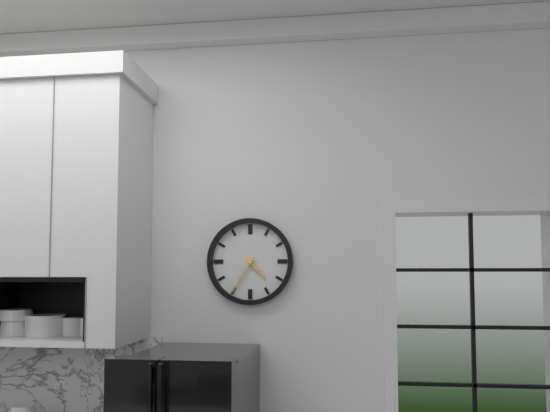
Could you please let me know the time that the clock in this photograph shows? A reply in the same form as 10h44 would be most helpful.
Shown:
4h35
